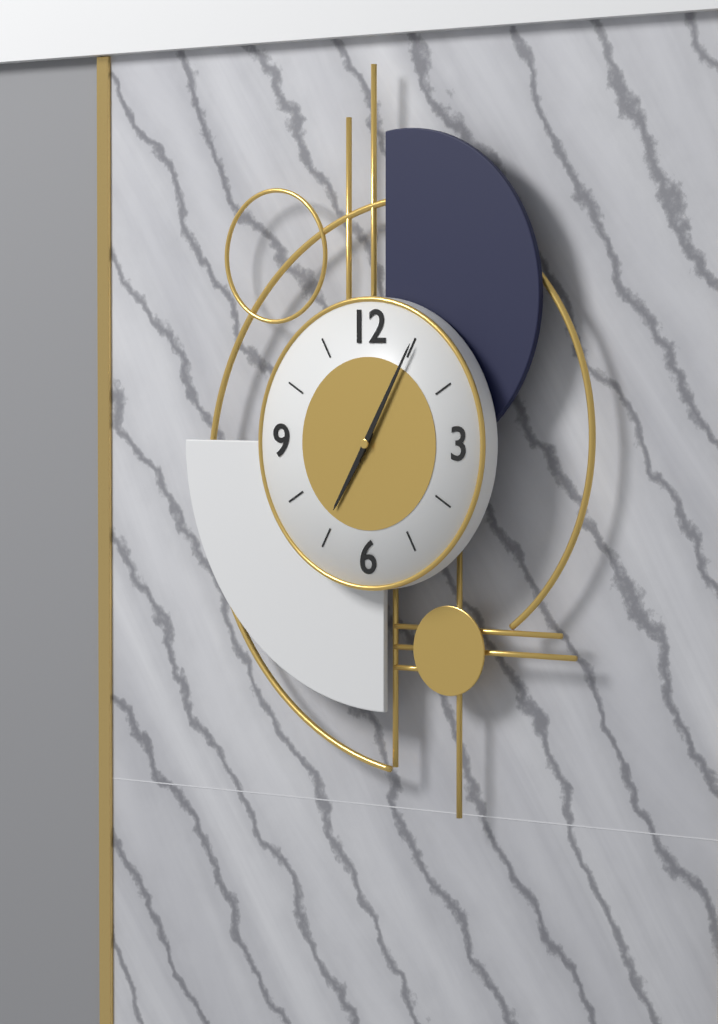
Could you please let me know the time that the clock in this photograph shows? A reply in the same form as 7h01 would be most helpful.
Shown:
7h05
